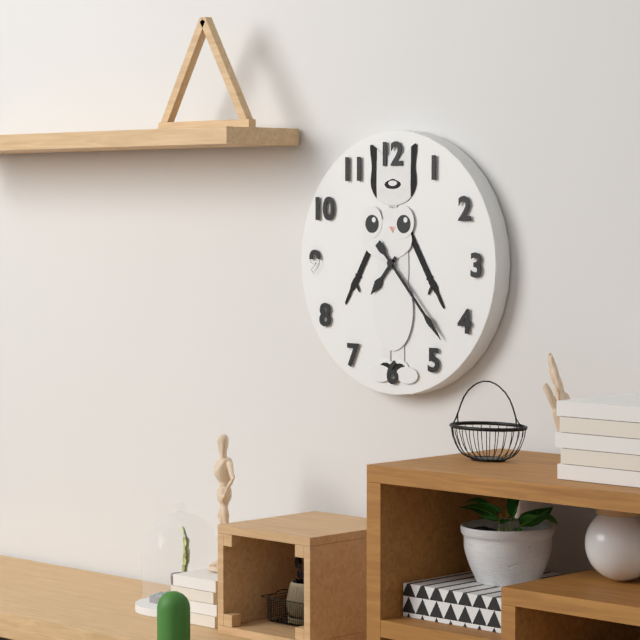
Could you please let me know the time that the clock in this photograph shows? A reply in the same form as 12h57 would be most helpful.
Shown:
7h23
